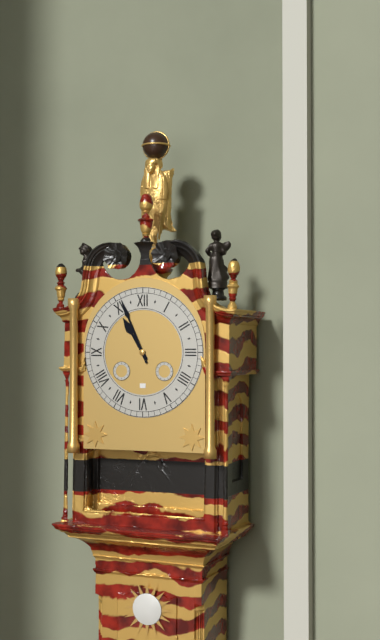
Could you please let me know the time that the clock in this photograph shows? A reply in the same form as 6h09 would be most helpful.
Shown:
10h56
